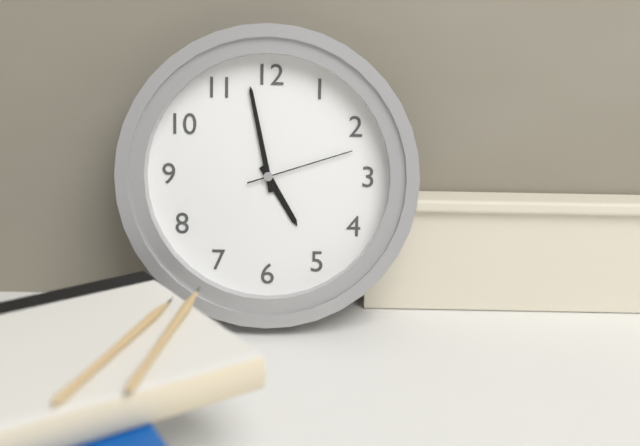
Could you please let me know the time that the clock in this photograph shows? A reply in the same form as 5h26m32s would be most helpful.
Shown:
4h58m12s
